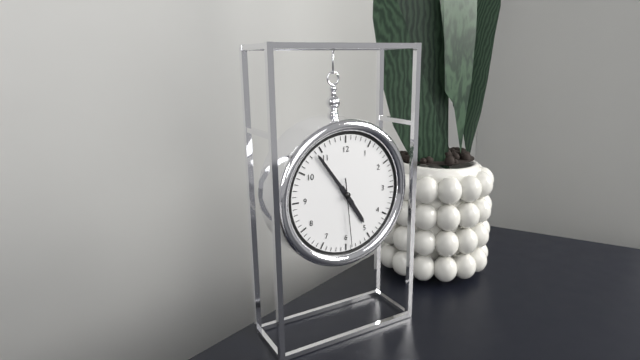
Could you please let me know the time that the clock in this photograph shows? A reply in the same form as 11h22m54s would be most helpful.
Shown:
4h54m29s
